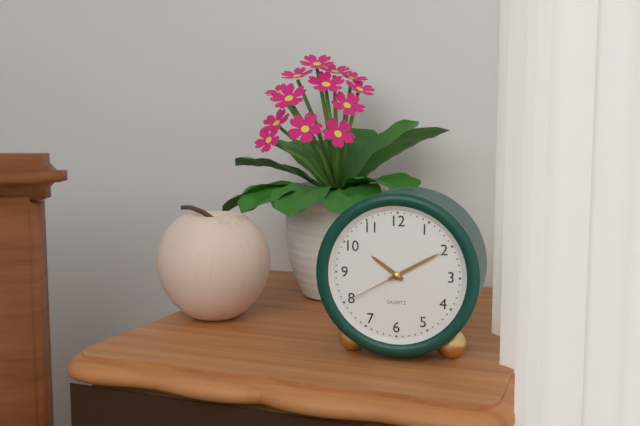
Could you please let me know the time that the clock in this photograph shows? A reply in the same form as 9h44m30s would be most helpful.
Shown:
10h10m40s
